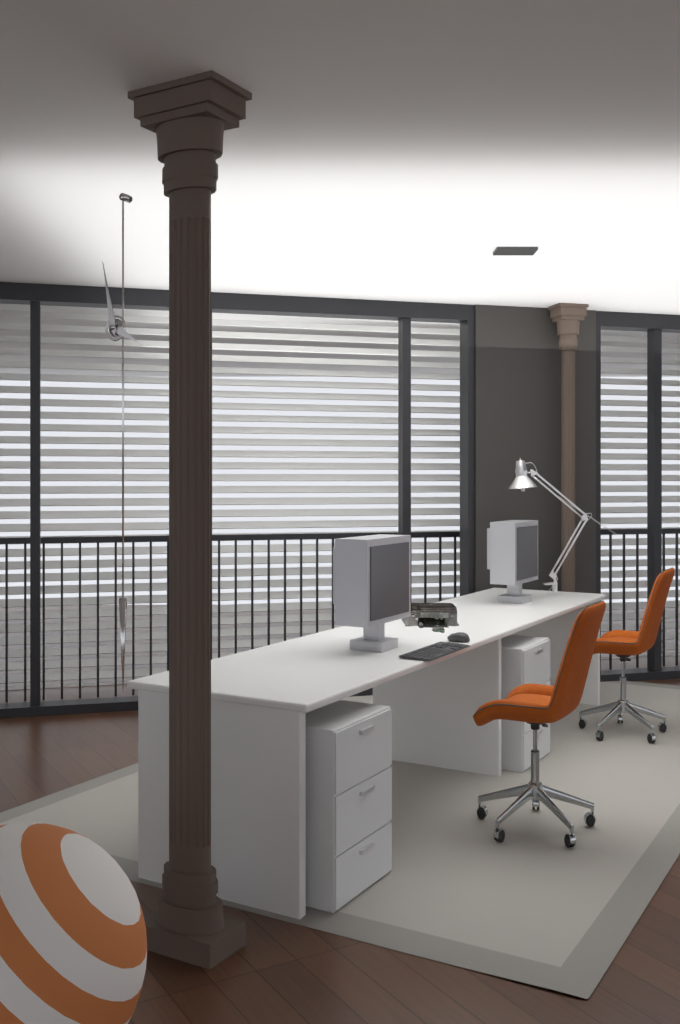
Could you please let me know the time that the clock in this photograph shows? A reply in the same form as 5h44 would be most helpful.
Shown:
3h58
